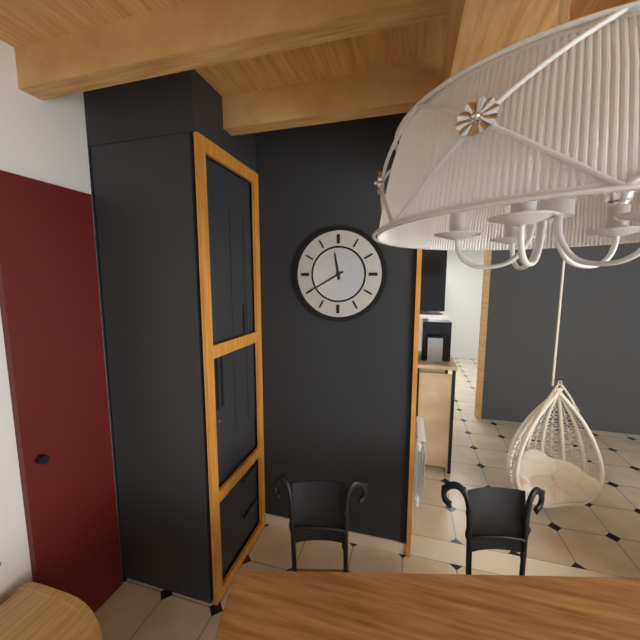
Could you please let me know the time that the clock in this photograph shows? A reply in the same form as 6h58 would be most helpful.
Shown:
11h40
